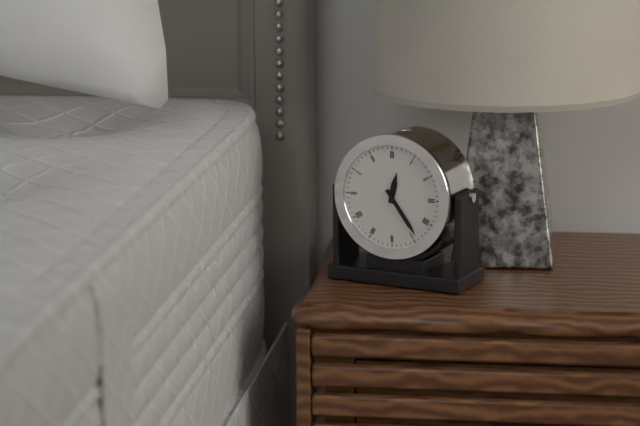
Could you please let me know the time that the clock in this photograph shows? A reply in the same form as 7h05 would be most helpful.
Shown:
12h24
